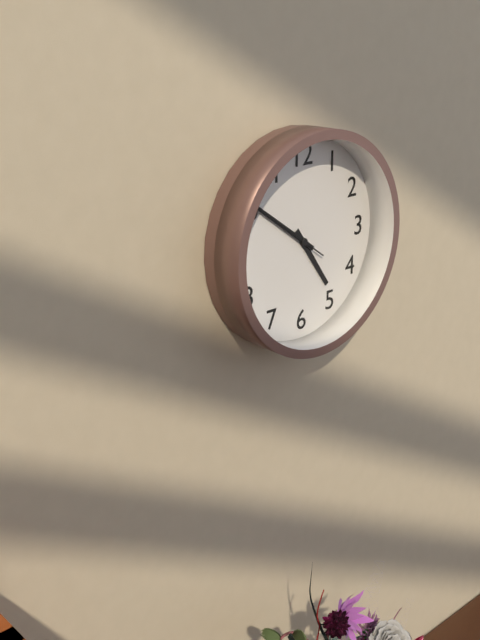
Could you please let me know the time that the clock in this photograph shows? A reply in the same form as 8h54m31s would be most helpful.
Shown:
4h51m51s
